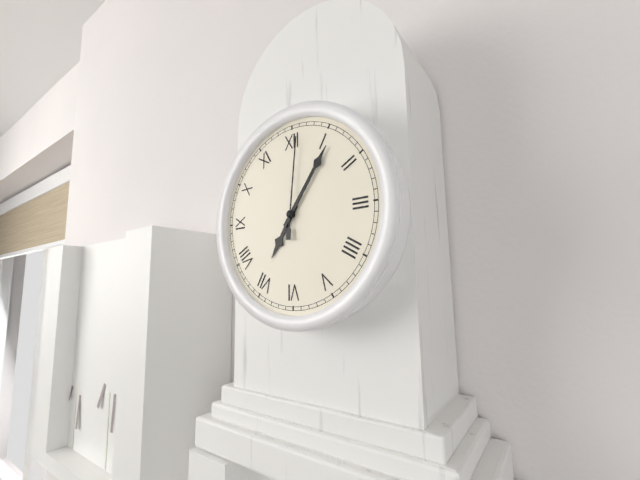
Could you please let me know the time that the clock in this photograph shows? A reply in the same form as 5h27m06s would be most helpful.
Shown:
7h06m01s
